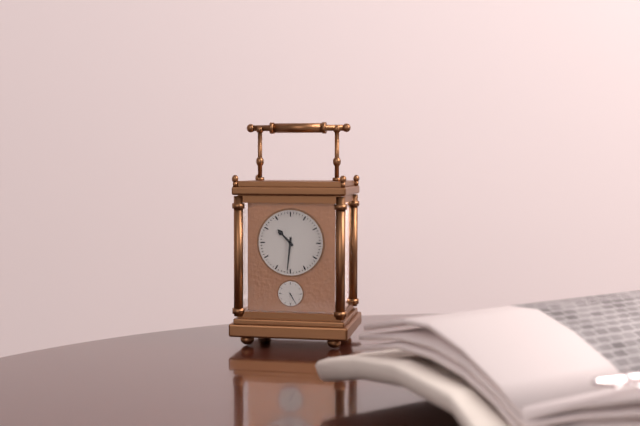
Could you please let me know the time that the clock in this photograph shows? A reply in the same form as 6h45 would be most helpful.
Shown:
10h31
